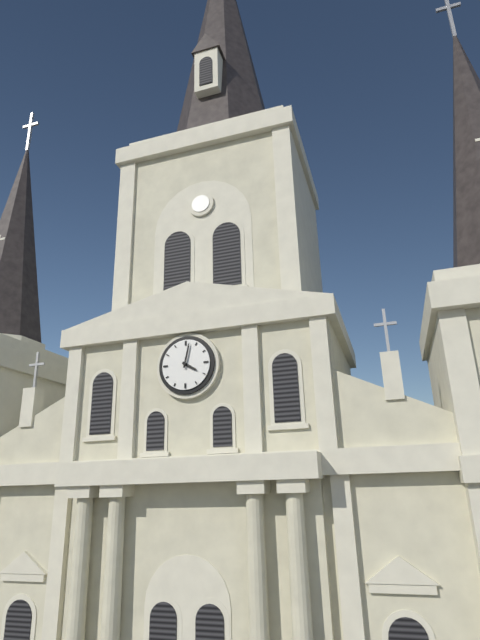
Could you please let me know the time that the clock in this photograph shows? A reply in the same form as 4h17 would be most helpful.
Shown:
4h02
